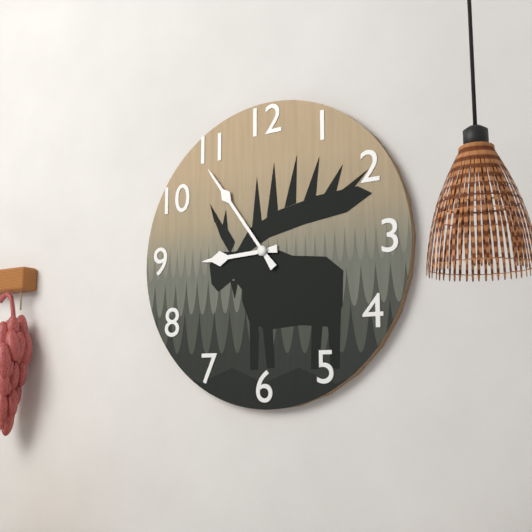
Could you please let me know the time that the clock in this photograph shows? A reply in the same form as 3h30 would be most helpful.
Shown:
8h54
